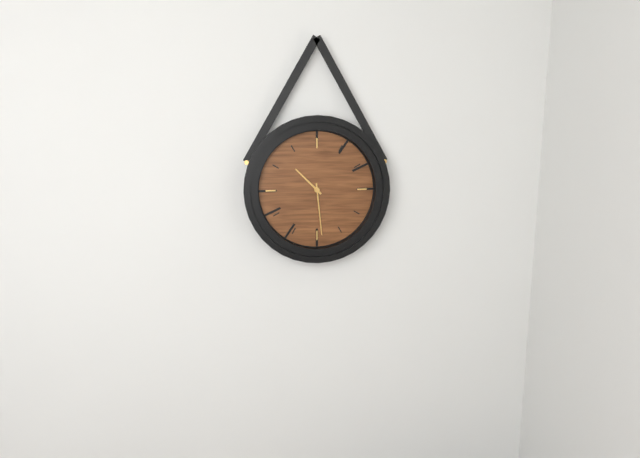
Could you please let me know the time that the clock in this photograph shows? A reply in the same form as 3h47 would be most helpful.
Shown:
10h29
